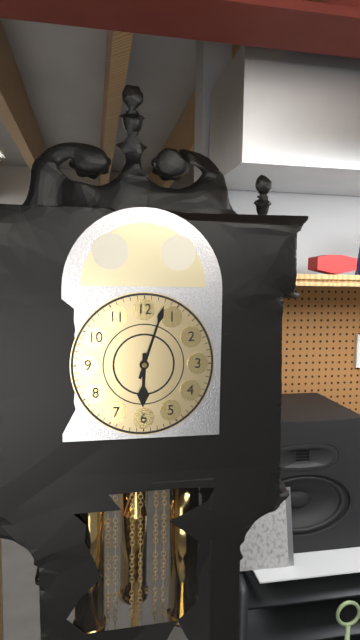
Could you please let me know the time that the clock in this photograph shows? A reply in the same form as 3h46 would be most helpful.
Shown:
6h03
